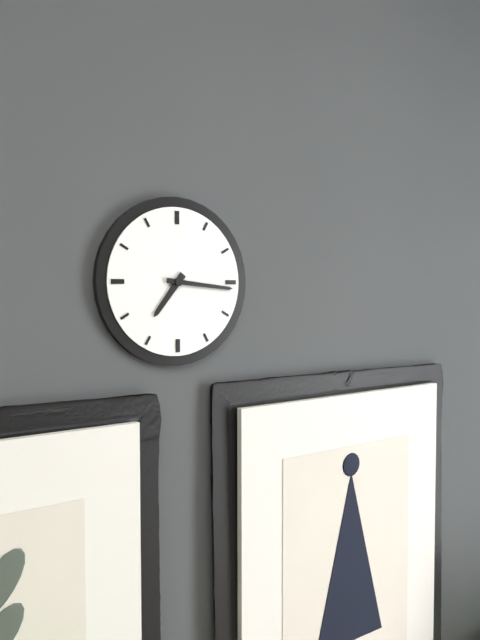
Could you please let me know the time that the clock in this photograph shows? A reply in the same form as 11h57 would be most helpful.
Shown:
7h16
